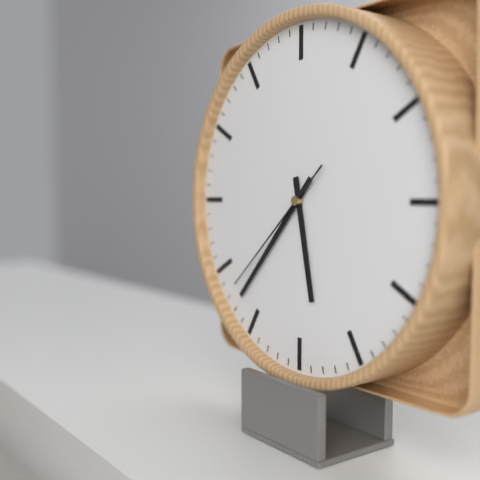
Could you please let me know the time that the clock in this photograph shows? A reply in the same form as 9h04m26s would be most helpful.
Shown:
5h37m38s
